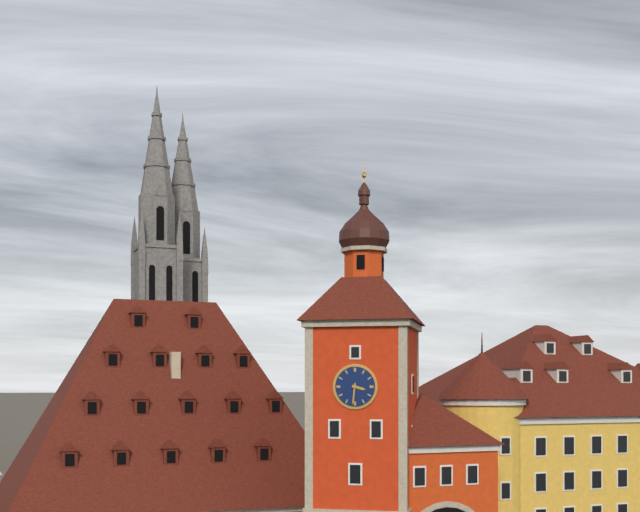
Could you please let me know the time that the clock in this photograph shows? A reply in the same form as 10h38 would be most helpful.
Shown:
3h31
